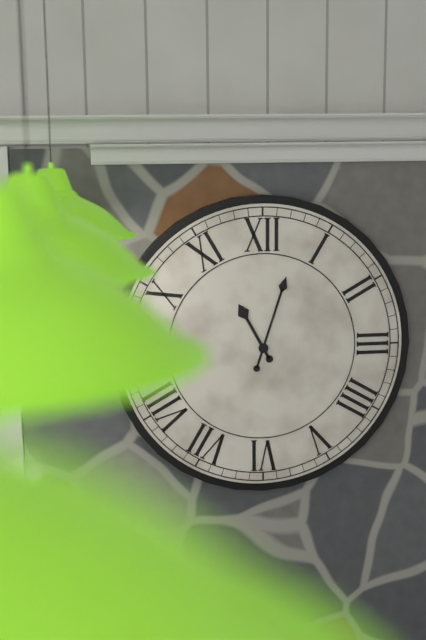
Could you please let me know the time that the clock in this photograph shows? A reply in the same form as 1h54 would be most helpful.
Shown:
11h03
